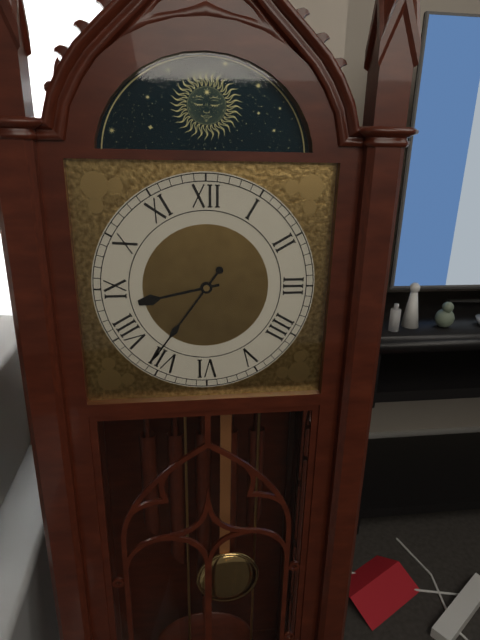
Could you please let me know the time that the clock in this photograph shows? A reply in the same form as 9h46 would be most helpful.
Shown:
8h36
